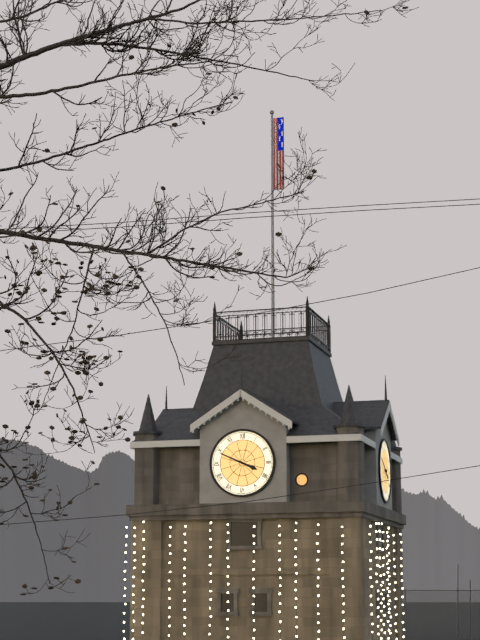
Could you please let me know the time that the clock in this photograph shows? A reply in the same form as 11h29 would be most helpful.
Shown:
3h49
